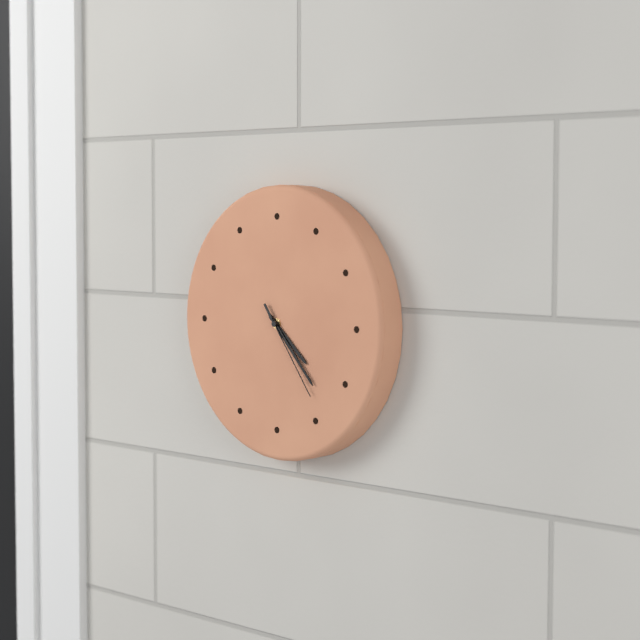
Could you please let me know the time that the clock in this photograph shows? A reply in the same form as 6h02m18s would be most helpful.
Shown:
4h23m24s
